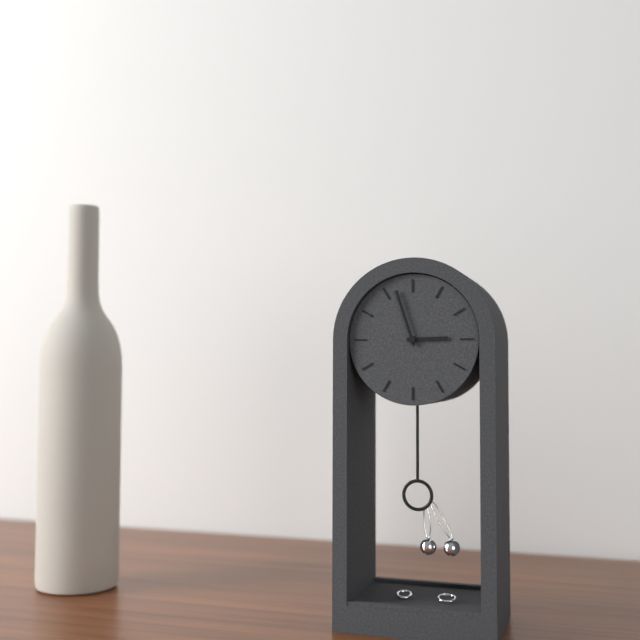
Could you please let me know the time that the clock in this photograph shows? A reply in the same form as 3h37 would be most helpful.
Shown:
2h57
